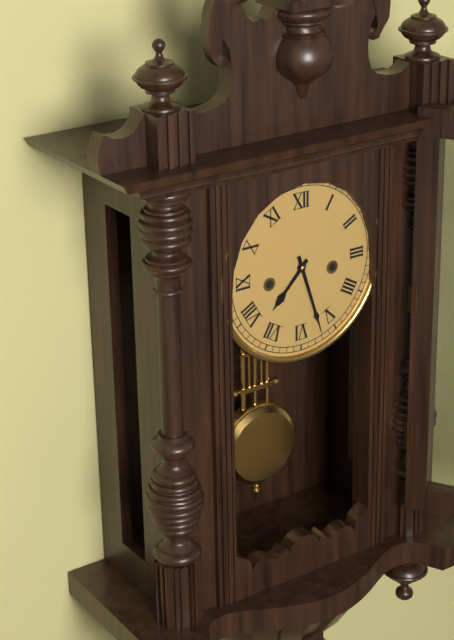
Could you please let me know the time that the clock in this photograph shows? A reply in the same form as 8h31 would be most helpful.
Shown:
7h27
